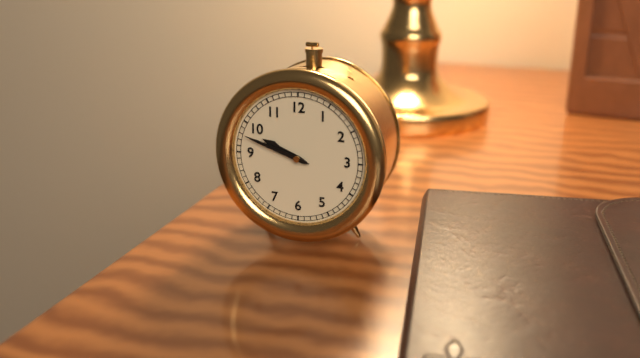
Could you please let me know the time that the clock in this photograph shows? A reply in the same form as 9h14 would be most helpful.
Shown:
9h48
